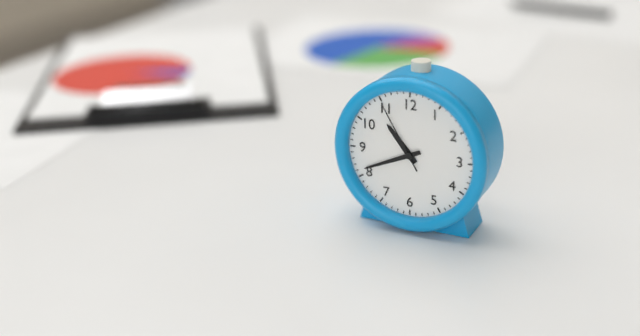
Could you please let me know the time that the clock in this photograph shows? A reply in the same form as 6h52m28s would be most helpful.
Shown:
10h41m55s
